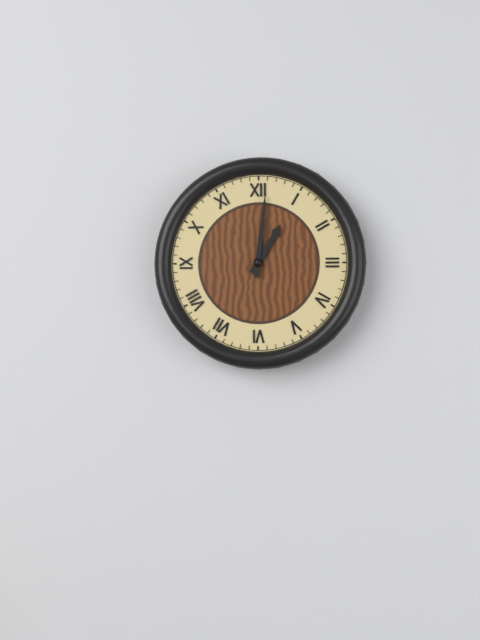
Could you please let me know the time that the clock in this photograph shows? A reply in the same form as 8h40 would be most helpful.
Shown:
1h01
